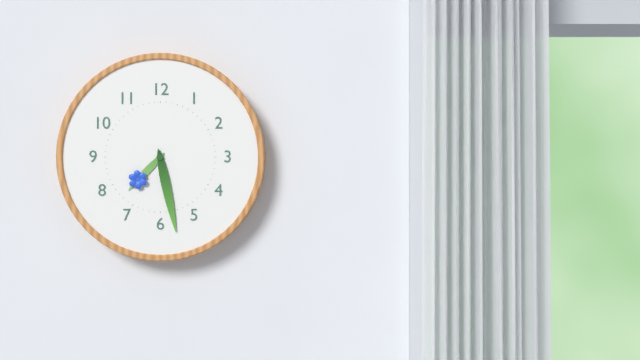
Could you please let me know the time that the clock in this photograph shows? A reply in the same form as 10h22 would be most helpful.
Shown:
7h28
